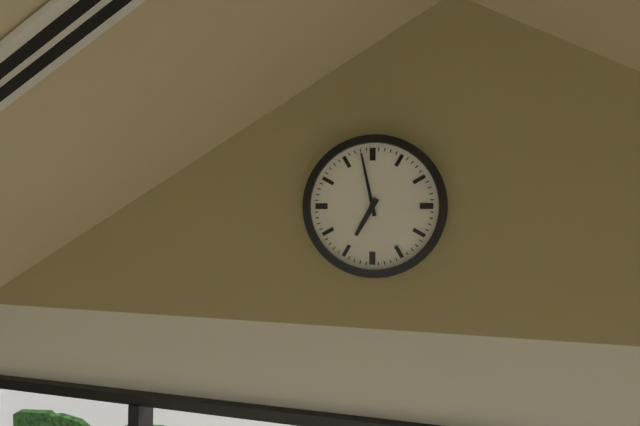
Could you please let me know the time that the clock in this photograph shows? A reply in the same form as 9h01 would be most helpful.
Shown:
6h58
